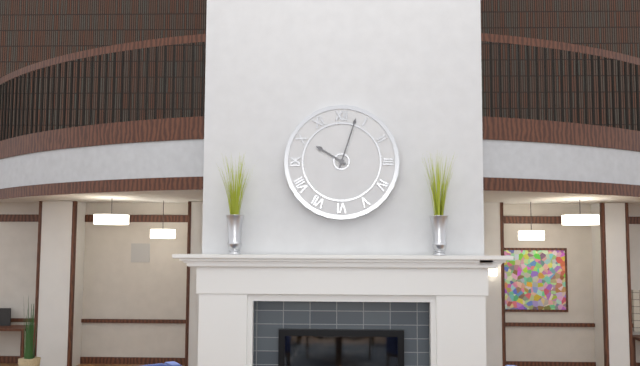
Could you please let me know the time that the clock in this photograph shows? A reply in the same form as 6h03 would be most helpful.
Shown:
10h03
